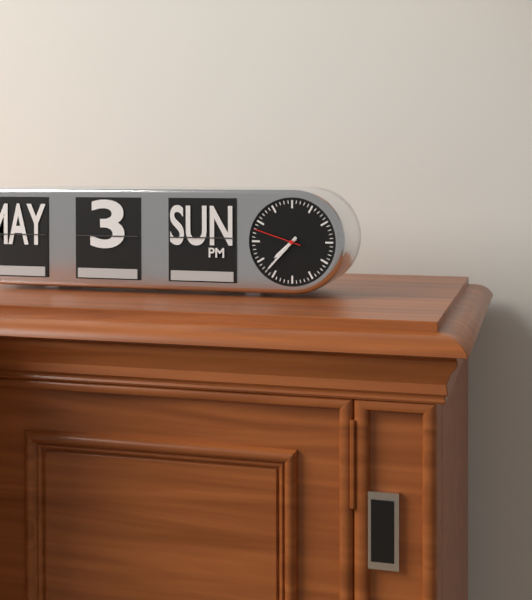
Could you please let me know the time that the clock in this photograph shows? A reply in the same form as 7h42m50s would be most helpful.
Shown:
7h37m48s
